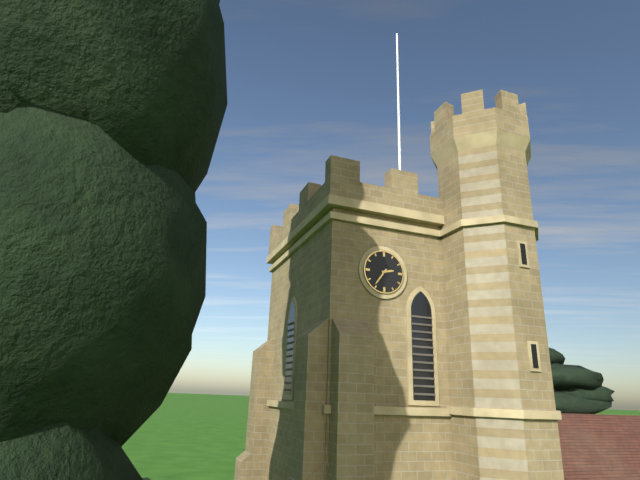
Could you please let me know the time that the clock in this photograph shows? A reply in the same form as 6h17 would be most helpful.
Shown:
2h36
